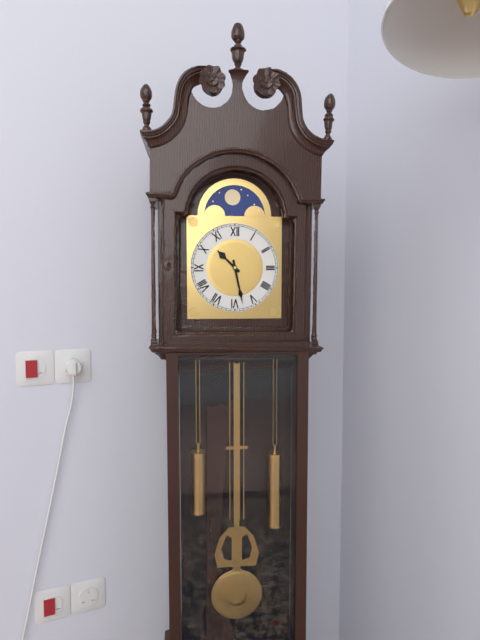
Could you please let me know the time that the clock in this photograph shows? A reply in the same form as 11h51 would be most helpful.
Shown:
10h28
